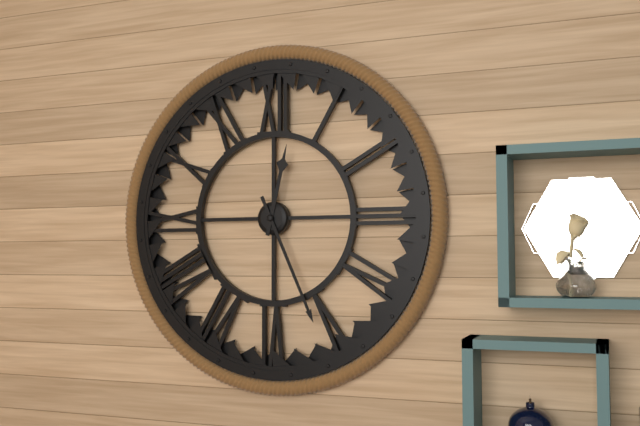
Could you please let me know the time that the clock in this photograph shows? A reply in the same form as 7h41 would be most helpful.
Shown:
12h26
